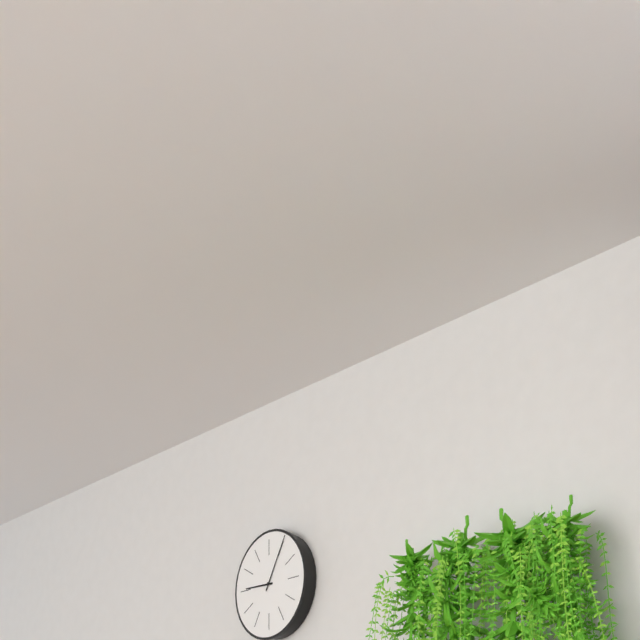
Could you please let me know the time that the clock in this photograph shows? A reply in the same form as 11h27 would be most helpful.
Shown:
9h05
